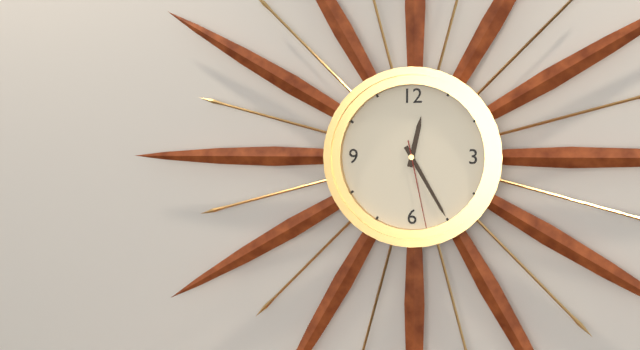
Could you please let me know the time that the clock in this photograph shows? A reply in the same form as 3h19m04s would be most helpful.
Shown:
12h25m28s
